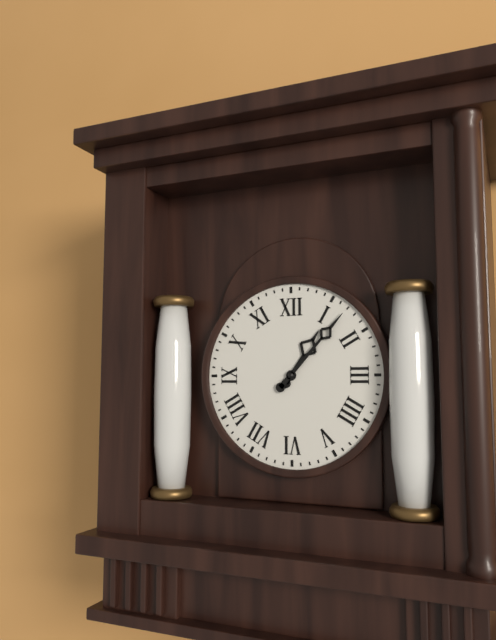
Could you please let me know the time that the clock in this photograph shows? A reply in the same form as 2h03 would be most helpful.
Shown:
1h07
